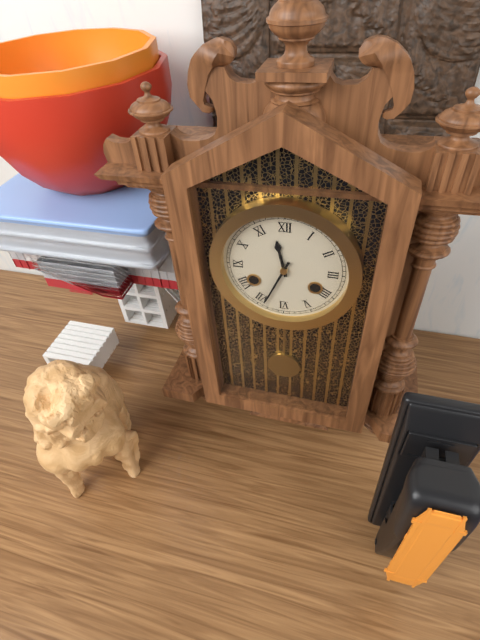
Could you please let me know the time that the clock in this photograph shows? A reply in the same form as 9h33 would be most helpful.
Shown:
11h34
